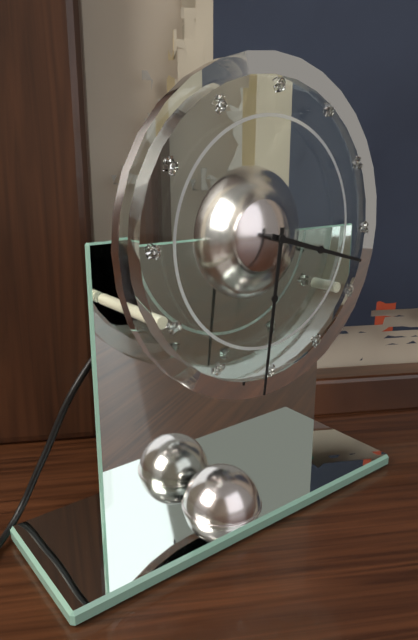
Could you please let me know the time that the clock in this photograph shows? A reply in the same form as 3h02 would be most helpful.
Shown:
3h31
